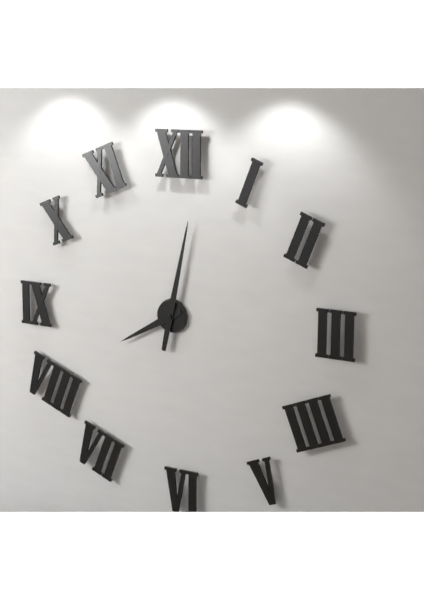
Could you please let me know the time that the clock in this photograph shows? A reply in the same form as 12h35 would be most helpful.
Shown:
8h02
